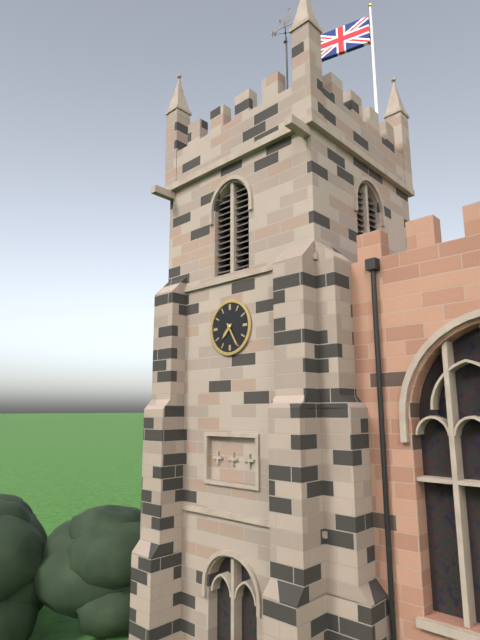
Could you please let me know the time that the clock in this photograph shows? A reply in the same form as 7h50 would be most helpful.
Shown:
7h25
